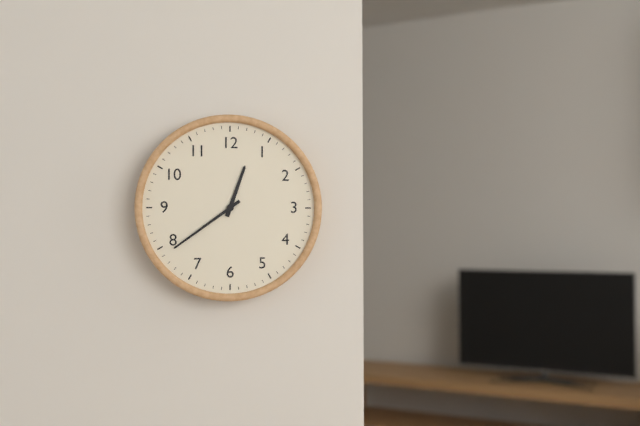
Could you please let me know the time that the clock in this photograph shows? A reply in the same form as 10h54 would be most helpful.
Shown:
12h39
